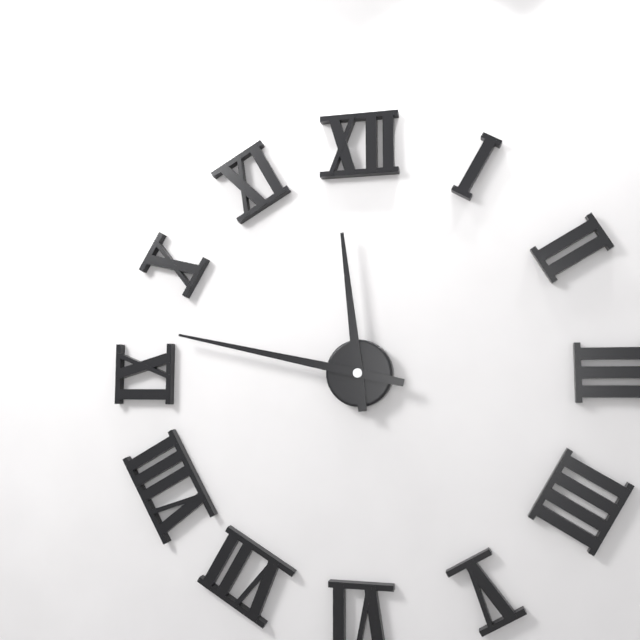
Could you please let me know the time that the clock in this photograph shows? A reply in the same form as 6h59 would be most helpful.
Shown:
11h47
